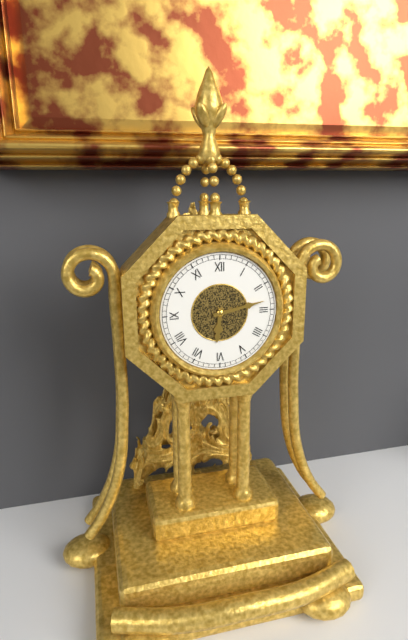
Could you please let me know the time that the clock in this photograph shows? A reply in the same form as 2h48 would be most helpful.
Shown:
6h13
